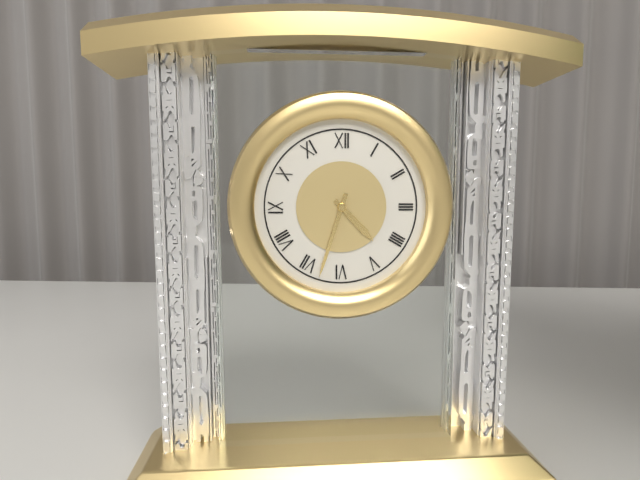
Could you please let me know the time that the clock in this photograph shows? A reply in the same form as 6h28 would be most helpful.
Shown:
4h33
